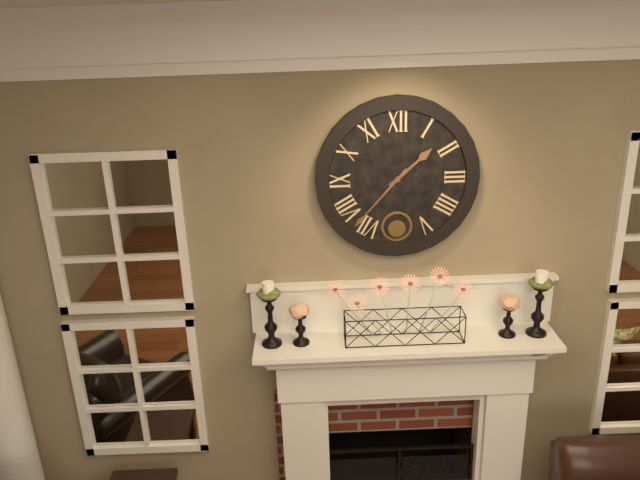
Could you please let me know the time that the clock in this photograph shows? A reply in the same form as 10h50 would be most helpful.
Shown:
1h37
